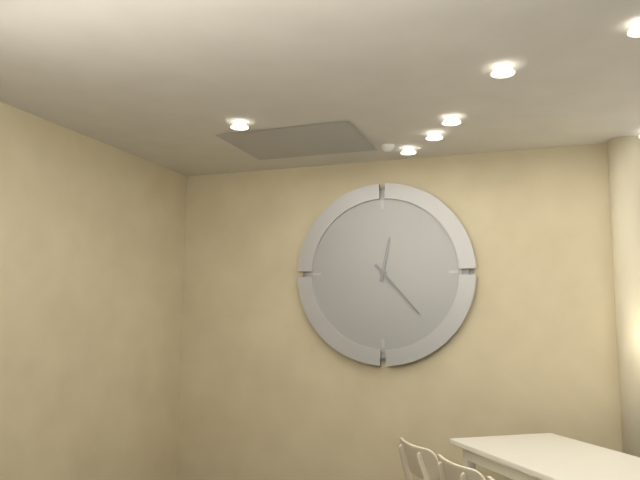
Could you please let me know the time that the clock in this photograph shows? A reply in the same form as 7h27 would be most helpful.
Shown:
12h23
